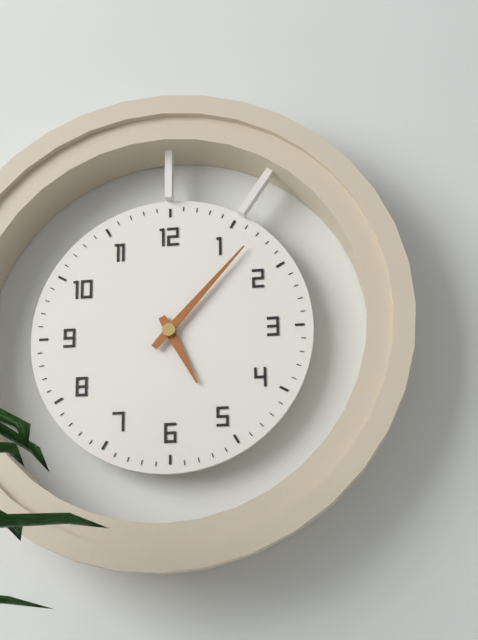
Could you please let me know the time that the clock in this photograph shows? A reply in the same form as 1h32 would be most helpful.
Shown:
5h07
